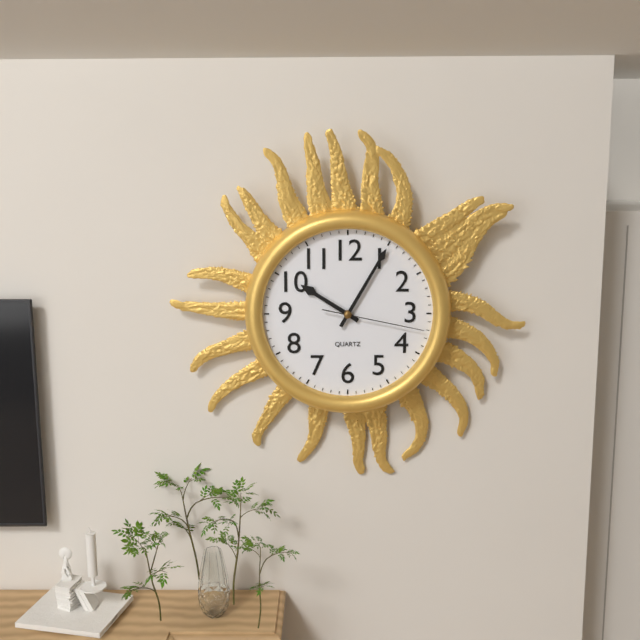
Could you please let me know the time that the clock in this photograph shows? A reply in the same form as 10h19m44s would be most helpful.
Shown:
10h05m17s
